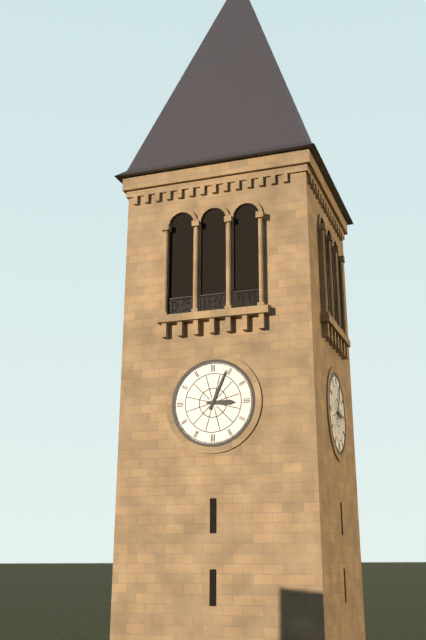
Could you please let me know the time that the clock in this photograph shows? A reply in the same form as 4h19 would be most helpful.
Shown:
3h04
